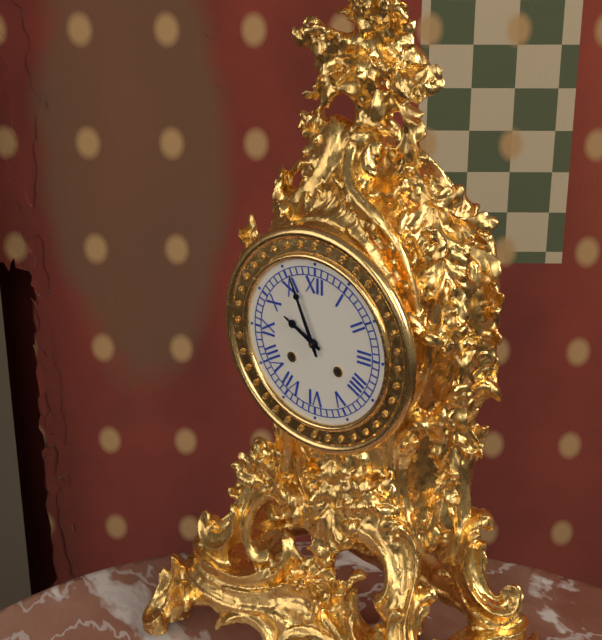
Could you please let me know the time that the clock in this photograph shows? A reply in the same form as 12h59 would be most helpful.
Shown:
9h56
